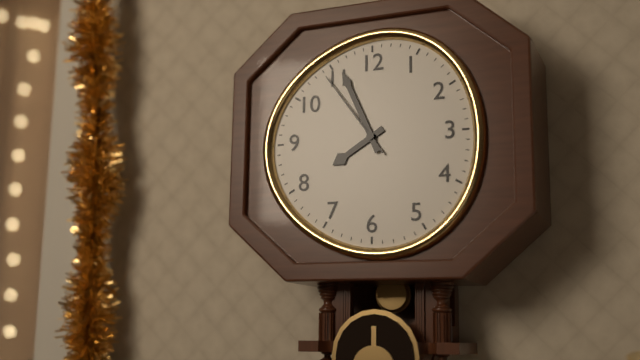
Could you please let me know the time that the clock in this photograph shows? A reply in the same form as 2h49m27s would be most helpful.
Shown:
7h56m54s
